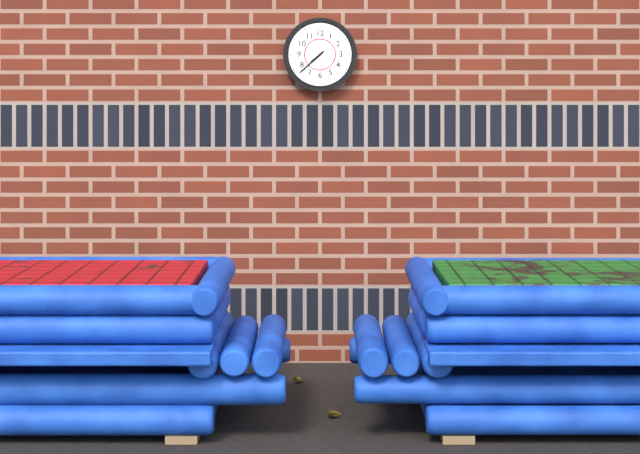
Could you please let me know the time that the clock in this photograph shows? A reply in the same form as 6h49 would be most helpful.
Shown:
7h38
